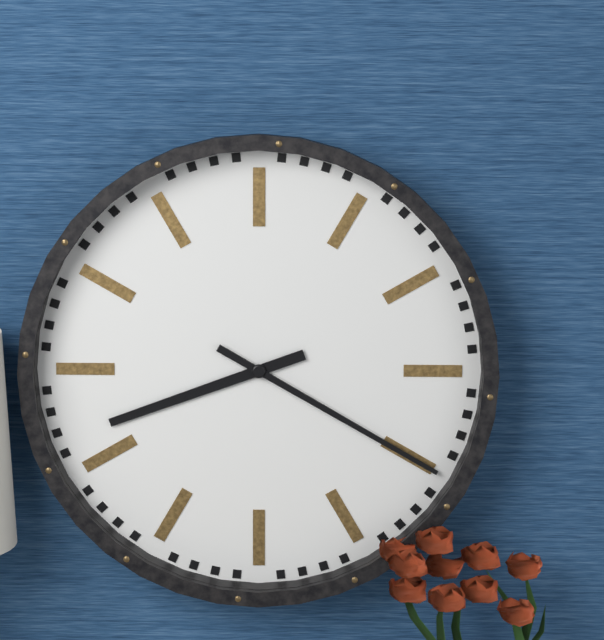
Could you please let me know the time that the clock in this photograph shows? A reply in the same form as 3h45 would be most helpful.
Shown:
8h20
